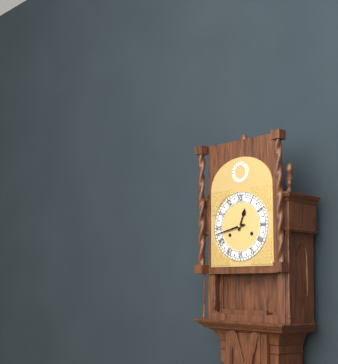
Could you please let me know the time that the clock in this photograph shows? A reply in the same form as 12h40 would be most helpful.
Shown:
12h43
